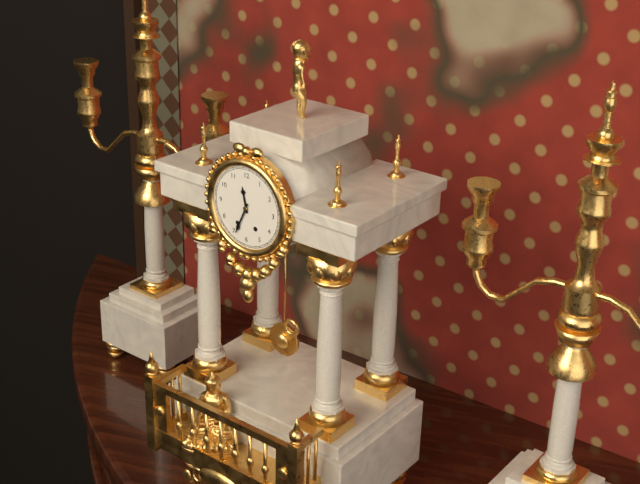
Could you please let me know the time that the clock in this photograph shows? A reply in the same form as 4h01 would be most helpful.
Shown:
11h34
